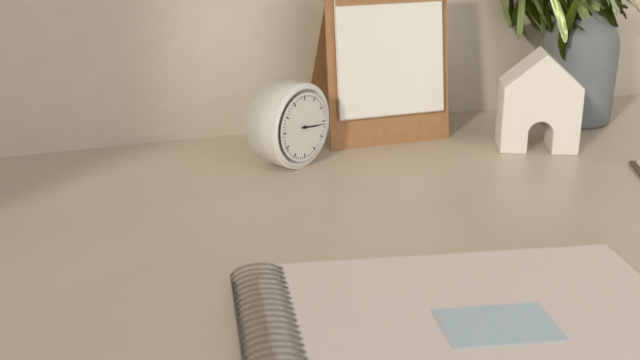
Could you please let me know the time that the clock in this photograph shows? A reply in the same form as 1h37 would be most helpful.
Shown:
3h16
